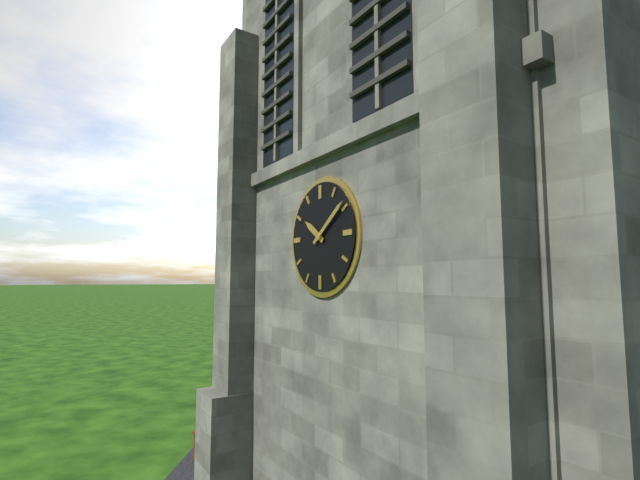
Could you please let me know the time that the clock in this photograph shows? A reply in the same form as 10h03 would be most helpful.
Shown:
10h09
